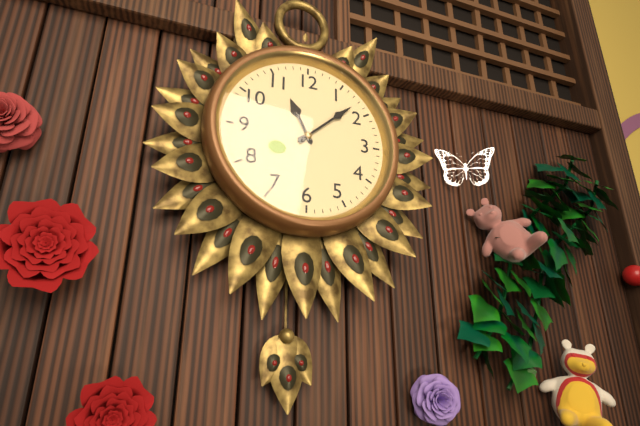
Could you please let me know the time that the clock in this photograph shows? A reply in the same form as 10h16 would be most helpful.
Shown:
11h08
